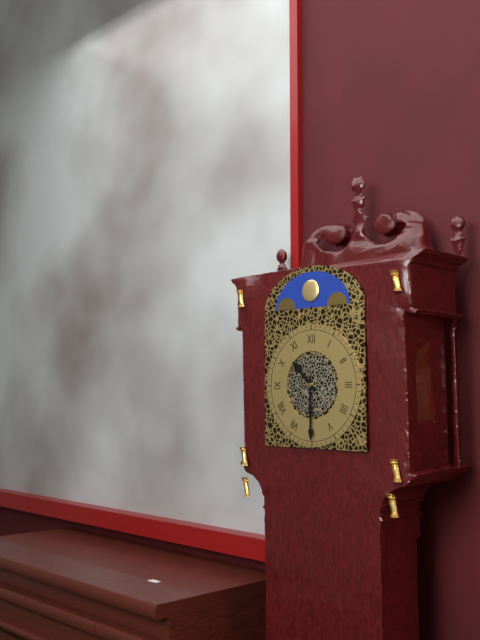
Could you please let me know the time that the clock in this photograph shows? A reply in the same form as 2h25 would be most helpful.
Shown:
10h30
